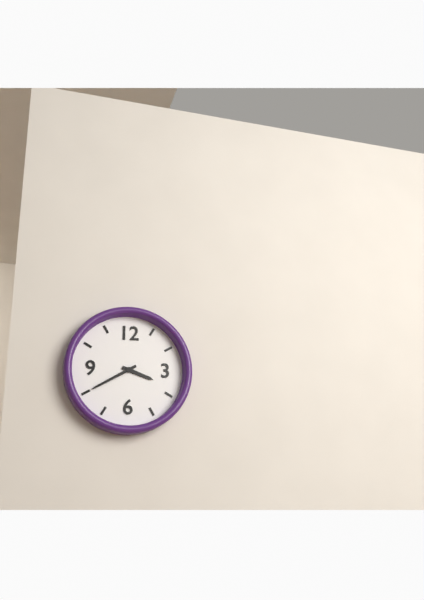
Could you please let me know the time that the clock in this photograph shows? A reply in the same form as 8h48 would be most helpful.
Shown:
3h40
